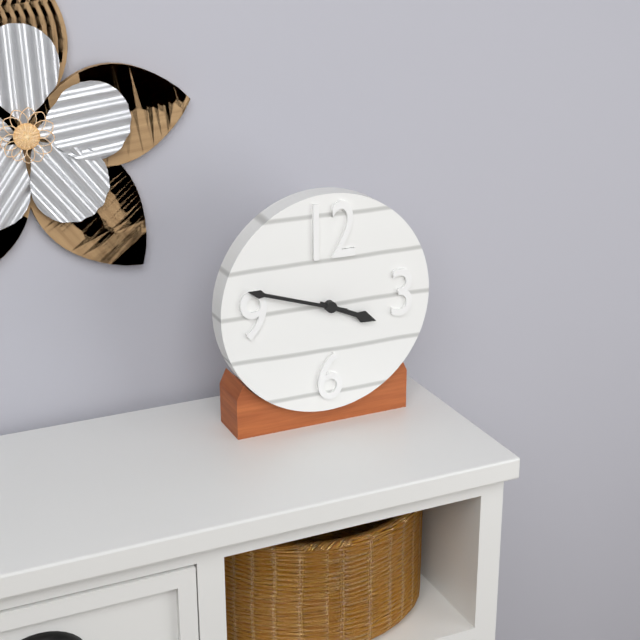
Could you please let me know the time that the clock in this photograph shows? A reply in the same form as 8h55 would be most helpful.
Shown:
3h48
